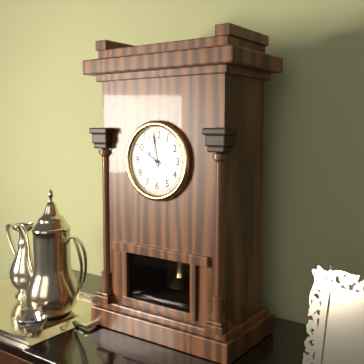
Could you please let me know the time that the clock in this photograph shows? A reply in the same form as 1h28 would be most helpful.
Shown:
9h58
